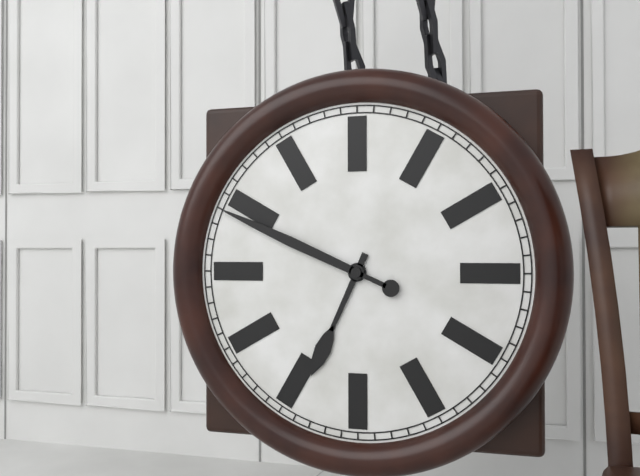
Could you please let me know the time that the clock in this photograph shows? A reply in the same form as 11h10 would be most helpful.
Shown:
6h49
